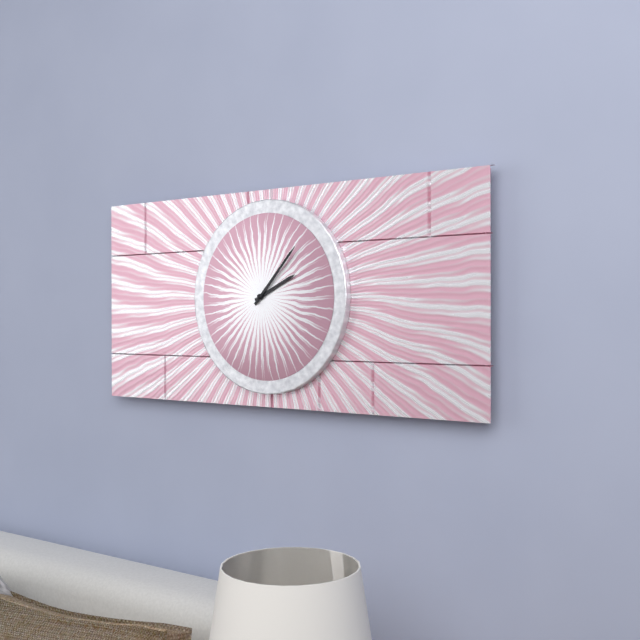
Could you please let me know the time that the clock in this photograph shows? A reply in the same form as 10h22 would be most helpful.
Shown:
2h07
